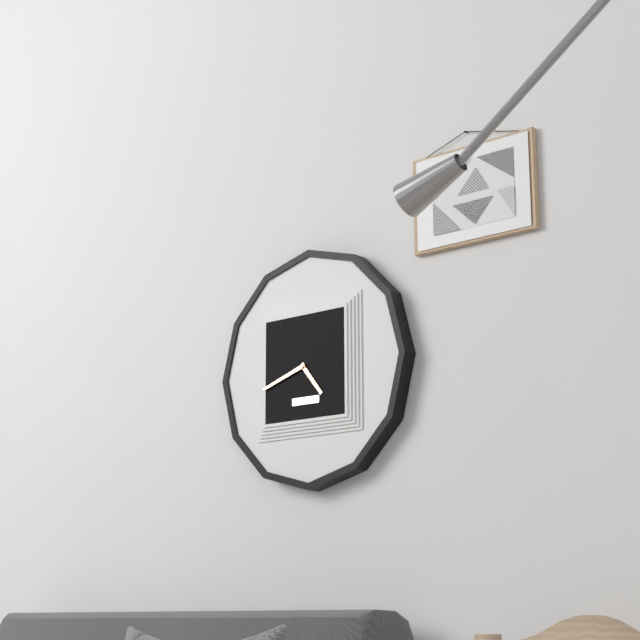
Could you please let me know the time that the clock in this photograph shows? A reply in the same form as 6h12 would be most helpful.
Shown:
4h42
